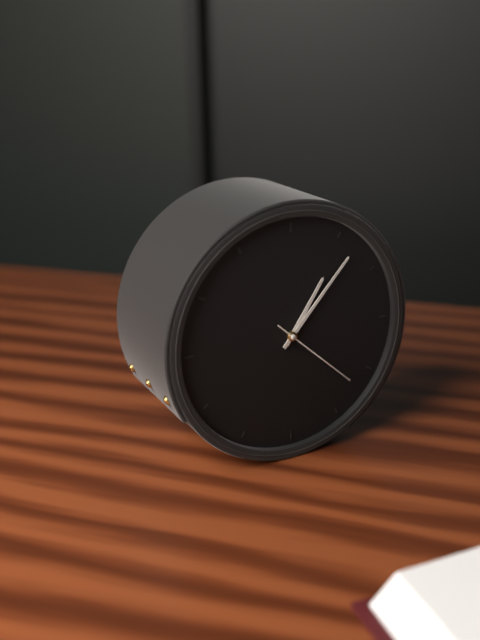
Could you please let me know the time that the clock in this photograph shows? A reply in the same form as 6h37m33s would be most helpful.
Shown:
1h07m22s
